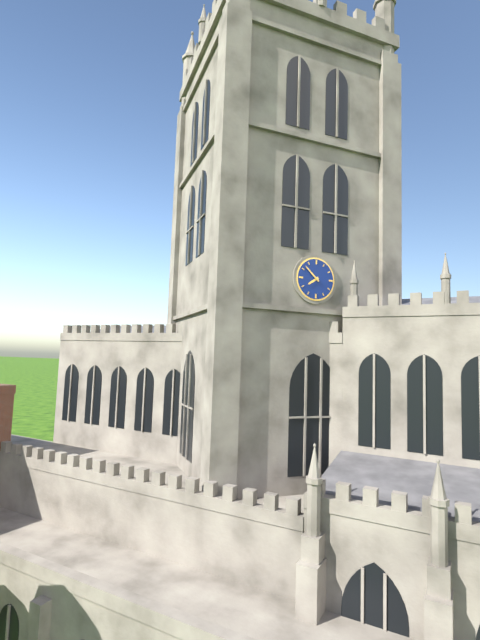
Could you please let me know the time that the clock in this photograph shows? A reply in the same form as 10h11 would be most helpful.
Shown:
7h52
